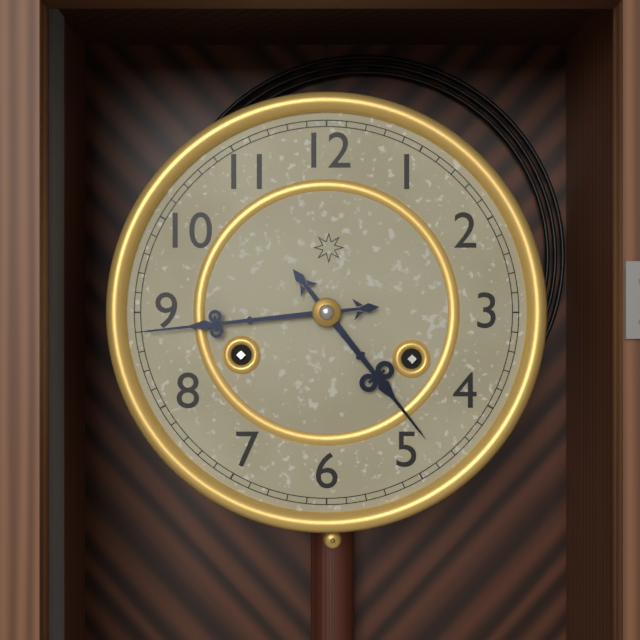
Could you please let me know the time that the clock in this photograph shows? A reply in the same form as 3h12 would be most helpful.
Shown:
4h44
